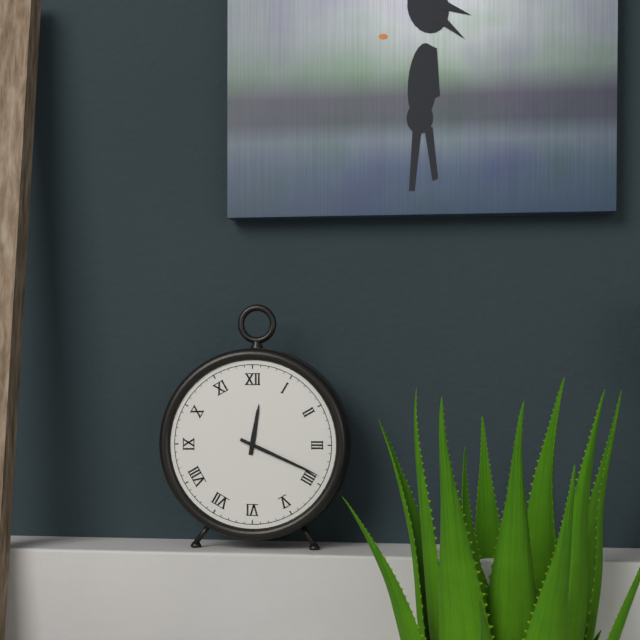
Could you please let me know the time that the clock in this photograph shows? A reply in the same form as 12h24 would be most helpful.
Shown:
12h19
